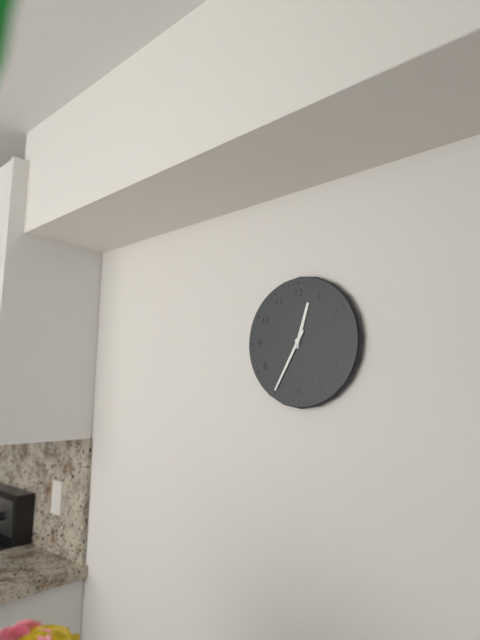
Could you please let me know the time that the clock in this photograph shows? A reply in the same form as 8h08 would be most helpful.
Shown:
12h35
